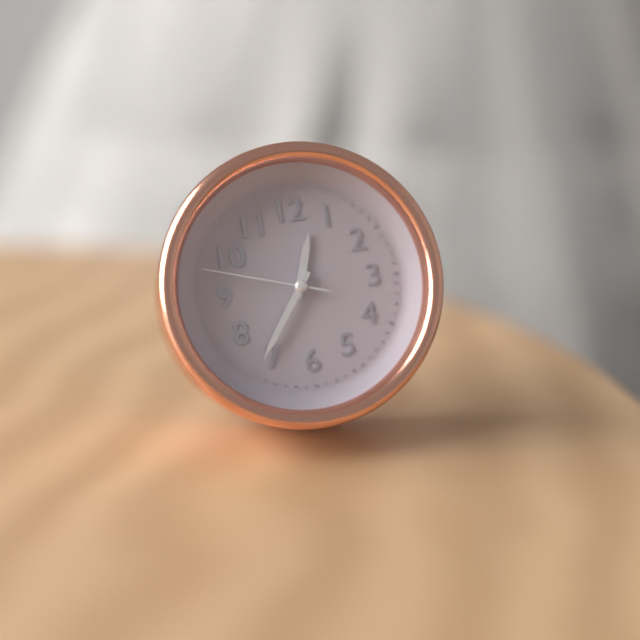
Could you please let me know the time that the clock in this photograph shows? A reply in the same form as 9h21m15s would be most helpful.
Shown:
12h36m48s
